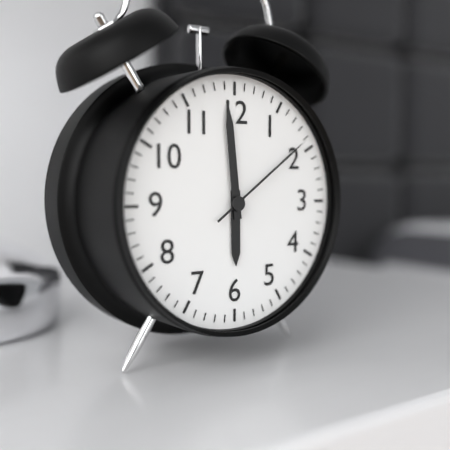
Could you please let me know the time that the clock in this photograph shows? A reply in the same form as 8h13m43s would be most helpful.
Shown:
5h59m09s
